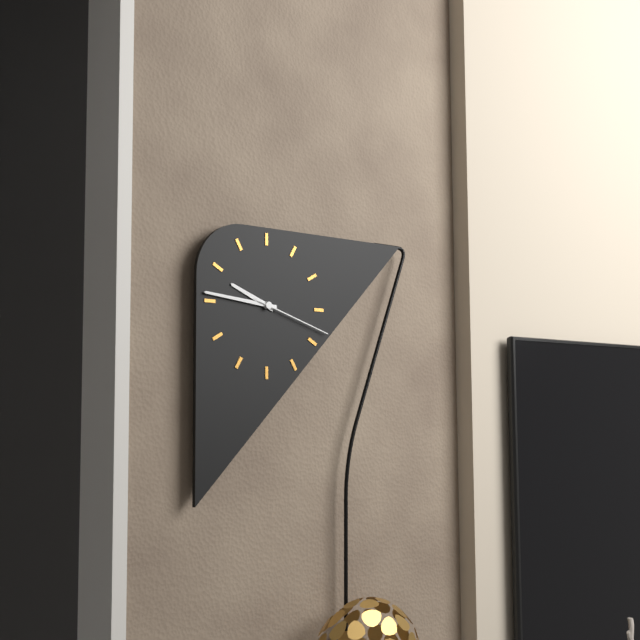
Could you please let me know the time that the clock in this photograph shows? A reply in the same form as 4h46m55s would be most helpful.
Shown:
9h46m18s
